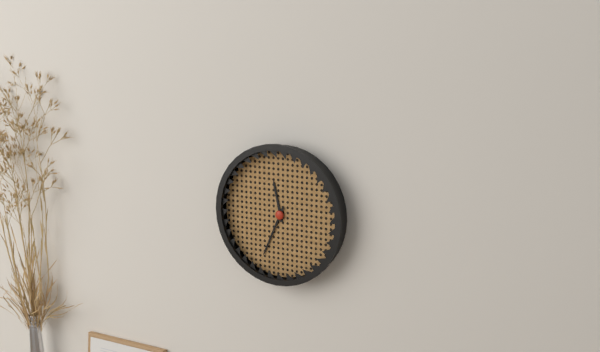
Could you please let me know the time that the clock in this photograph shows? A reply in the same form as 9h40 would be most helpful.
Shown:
11h34
